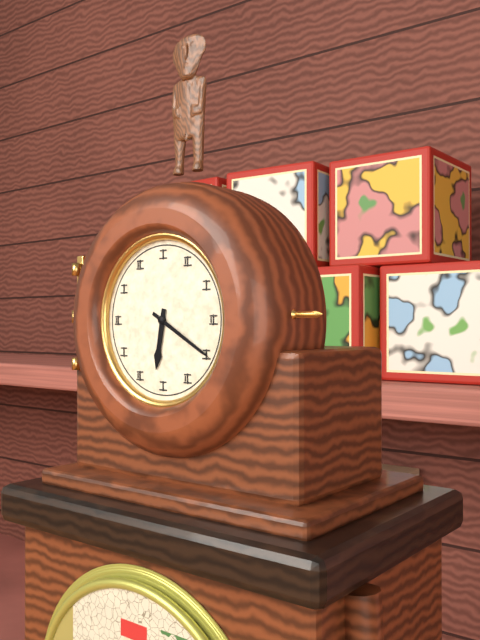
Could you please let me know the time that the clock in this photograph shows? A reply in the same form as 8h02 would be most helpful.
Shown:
6h20
